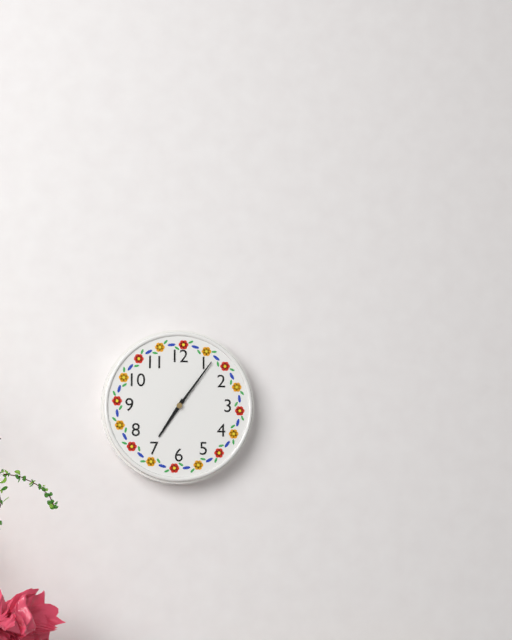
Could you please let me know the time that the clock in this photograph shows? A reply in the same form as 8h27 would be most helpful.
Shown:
7h06
